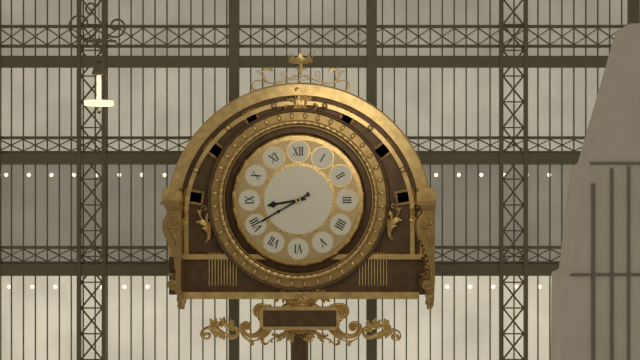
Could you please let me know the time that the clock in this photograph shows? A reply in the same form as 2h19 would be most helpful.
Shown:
8h40
